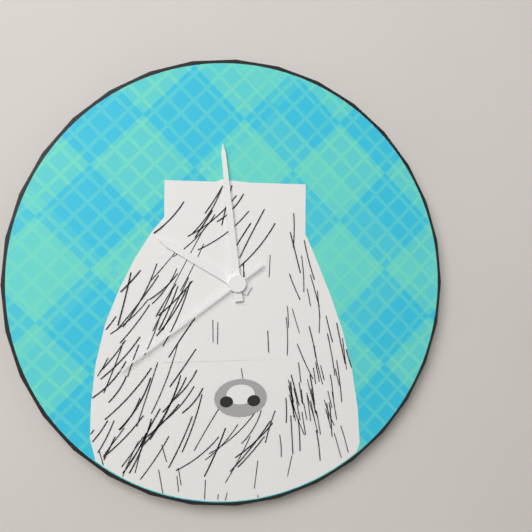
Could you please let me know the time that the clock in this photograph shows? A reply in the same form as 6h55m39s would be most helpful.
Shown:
9h59m39s
